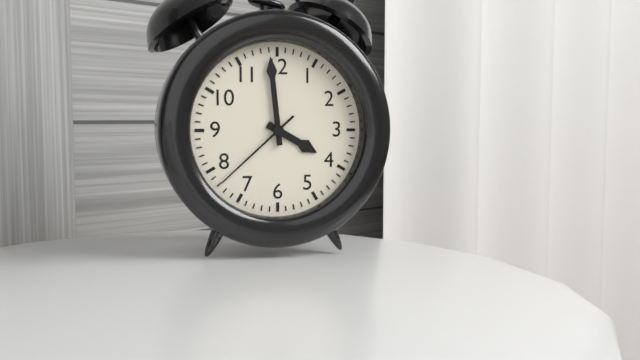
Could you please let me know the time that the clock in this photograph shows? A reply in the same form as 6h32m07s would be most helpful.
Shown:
3h59m38s
